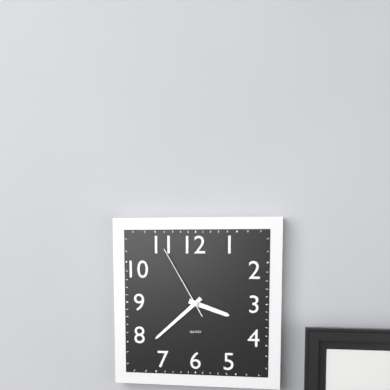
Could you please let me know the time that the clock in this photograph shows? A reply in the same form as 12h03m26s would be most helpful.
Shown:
3h38m55s
